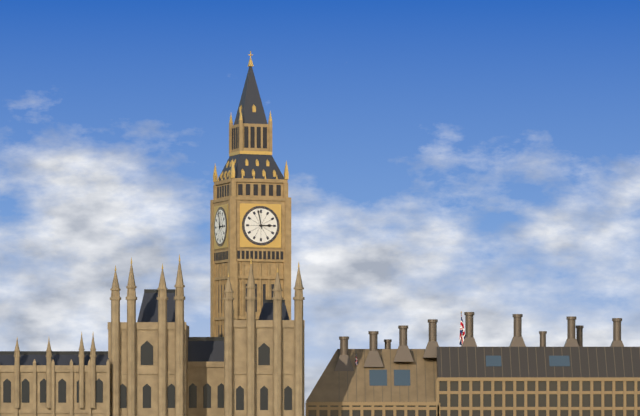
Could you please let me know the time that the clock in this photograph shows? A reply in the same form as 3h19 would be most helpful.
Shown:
2h58
